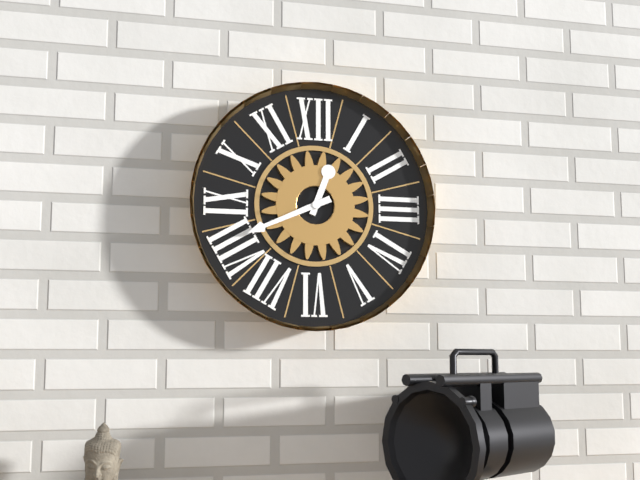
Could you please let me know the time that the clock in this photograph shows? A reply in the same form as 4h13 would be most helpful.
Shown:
12h41
